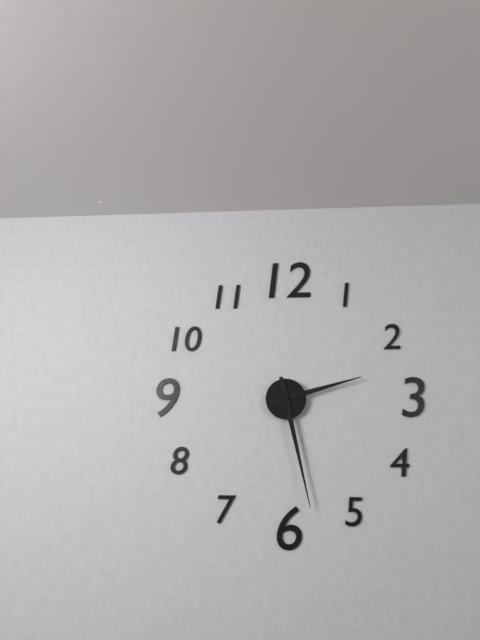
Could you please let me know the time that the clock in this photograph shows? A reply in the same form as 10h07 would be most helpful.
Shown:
2h28
